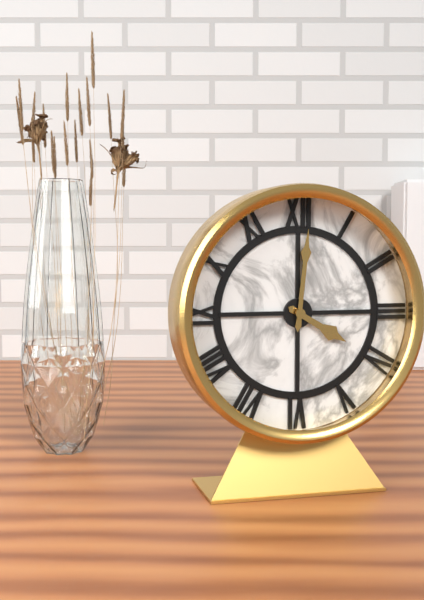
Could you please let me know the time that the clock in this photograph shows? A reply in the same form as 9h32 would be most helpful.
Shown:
4h01
